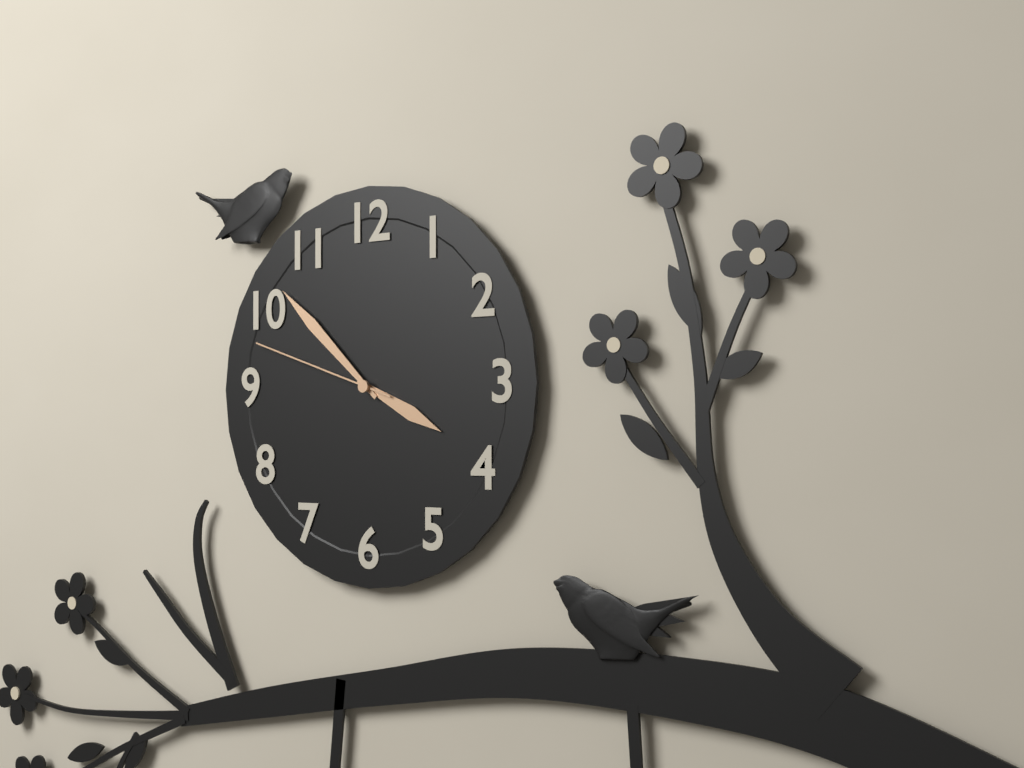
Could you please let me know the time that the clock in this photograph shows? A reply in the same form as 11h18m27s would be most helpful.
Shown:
3h52m48s
